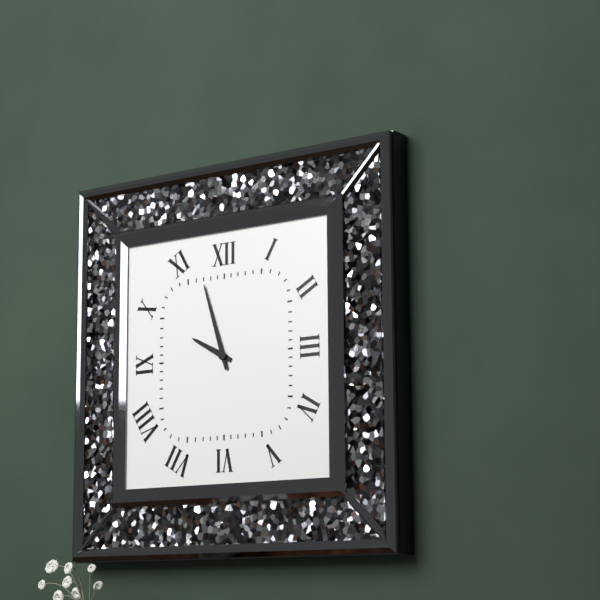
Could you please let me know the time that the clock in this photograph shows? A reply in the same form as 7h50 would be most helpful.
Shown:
9h57
